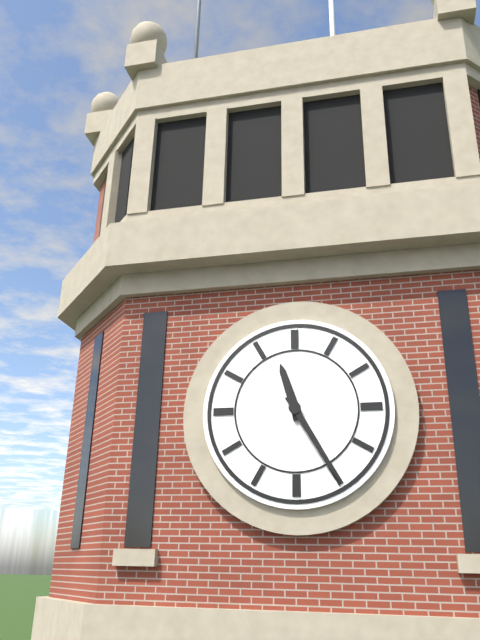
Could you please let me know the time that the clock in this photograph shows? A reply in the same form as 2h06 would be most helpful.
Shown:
11h25
